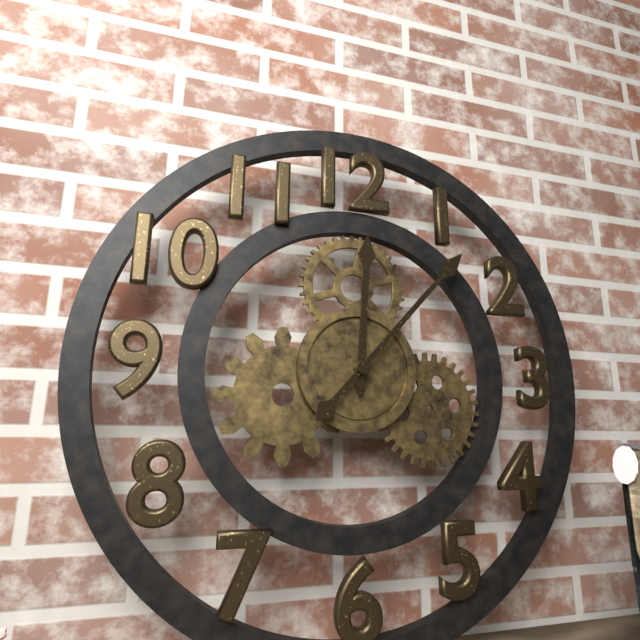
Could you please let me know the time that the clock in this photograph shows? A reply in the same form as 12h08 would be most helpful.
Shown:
12h07
